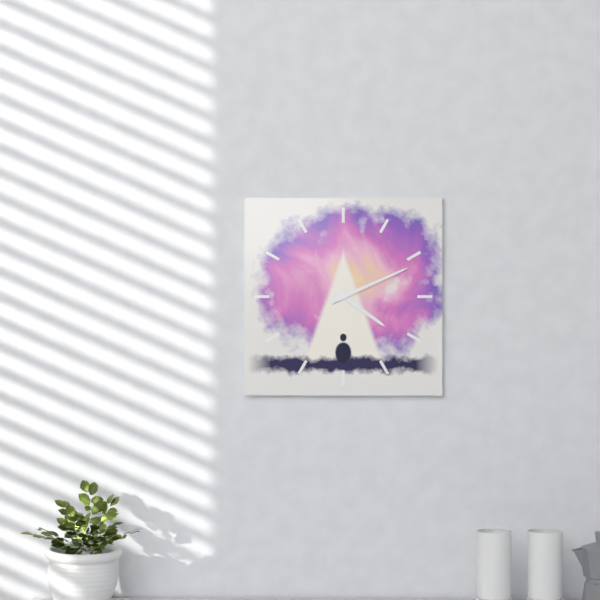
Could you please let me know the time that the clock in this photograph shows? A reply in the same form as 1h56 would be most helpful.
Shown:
4h11
